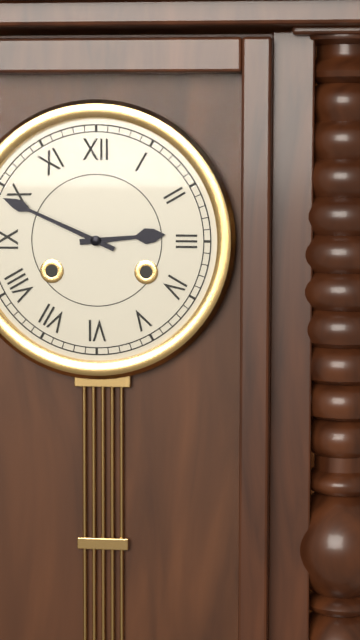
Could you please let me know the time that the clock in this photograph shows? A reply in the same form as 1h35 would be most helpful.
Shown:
2h49
